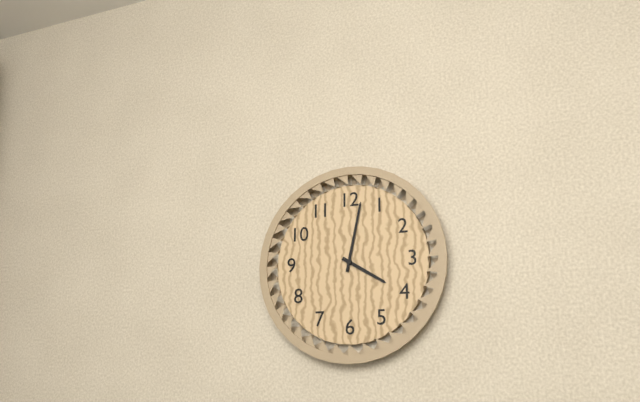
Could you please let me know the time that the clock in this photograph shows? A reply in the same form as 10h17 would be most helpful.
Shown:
4h02
